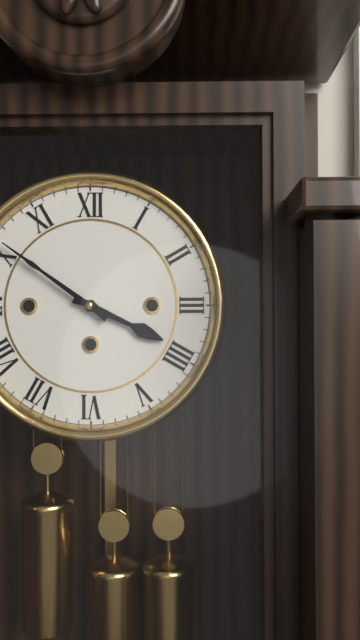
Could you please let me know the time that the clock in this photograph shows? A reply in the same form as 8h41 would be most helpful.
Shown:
3h51
